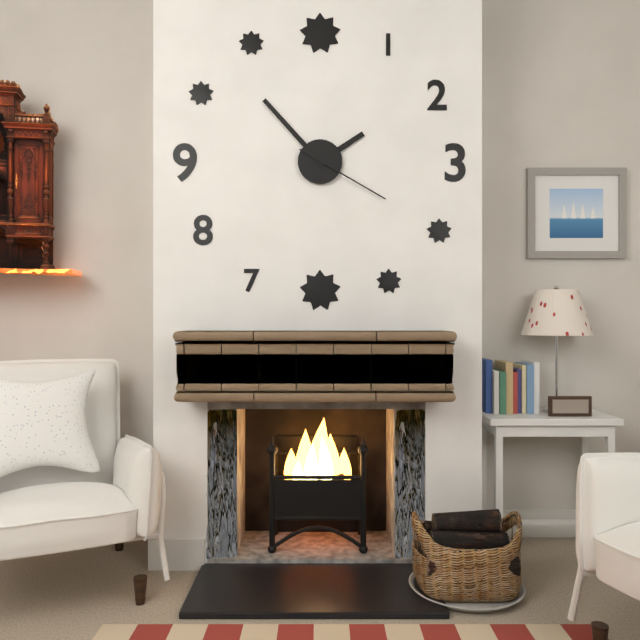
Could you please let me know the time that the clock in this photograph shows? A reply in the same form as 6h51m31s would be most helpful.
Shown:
1h53m20s
